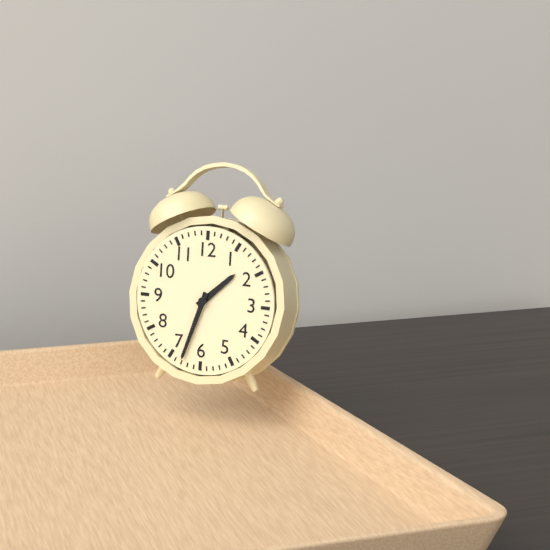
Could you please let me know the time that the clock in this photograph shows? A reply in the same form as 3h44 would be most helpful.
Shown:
1h33
